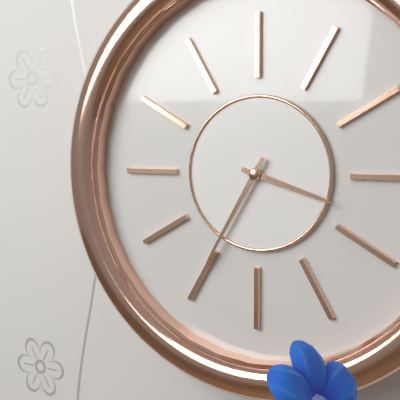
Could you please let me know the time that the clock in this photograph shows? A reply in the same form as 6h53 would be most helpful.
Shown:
3h35
